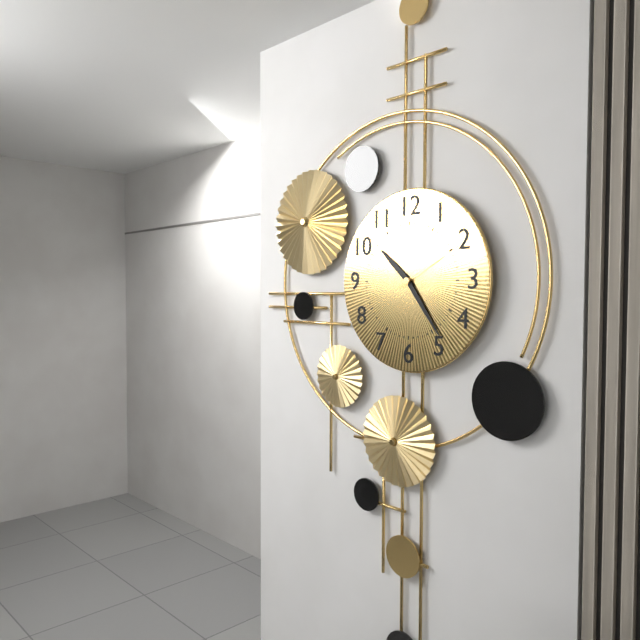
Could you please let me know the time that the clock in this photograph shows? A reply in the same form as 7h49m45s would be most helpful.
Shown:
10h24m10s
